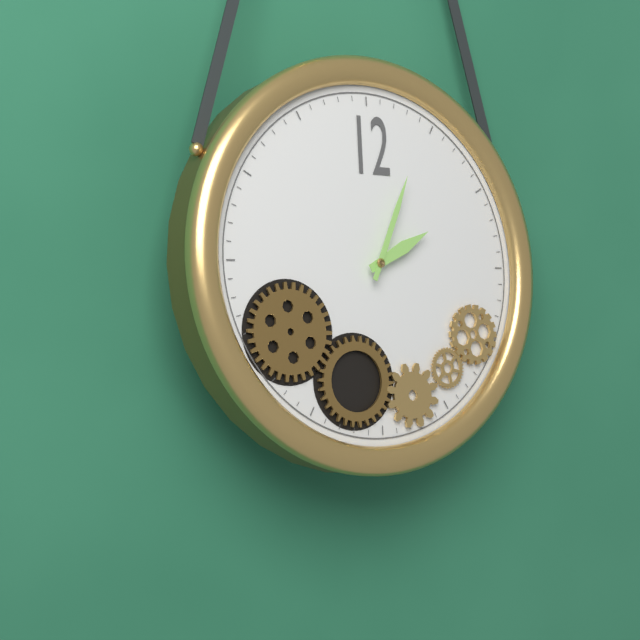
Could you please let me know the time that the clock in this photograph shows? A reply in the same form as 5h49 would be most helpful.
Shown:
2h04
